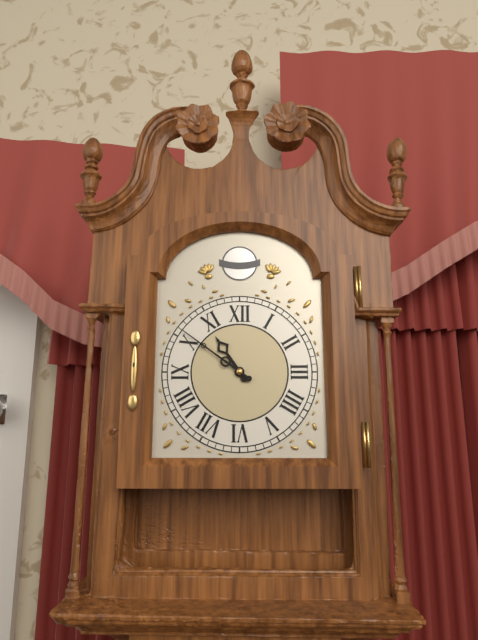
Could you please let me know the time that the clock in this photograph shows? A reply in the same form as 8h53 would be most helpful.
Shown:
10h51
